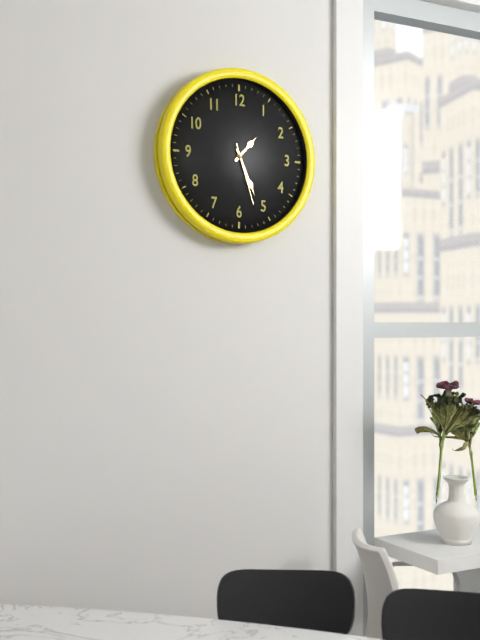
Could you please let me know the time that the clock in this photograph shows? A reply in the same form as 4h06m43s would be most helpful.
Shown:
1h26m27s
